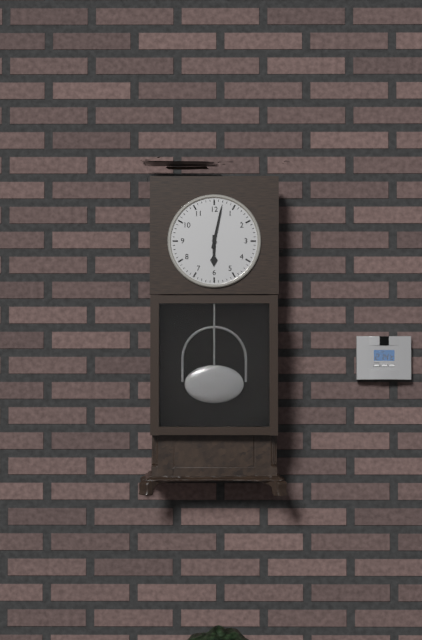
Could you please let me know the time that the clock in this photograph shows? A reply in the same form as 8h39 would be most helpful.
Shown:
6h02
